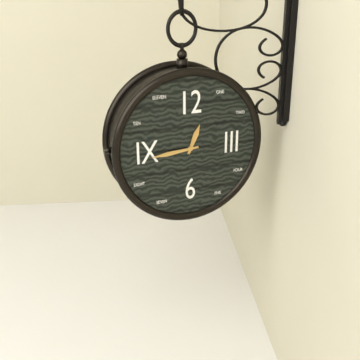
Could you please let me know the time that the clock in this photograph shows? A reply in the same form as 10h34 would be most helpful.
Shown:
12h44
